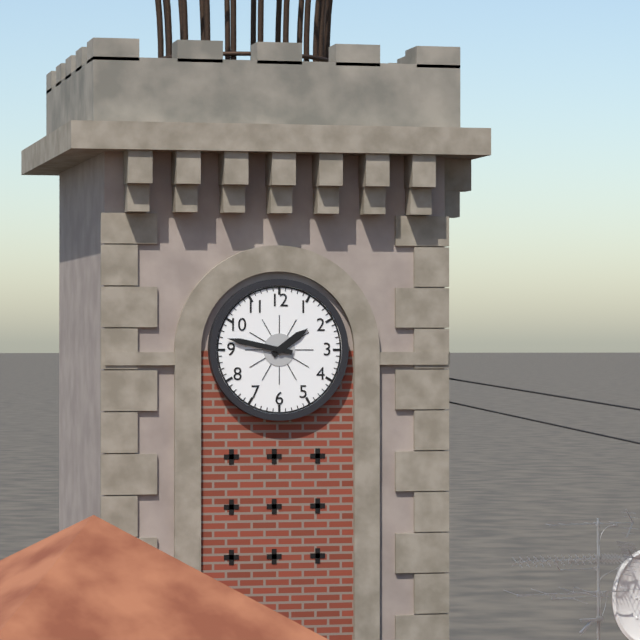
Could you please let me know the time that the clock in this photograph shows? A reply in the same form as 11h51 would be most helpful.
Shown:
1h47
